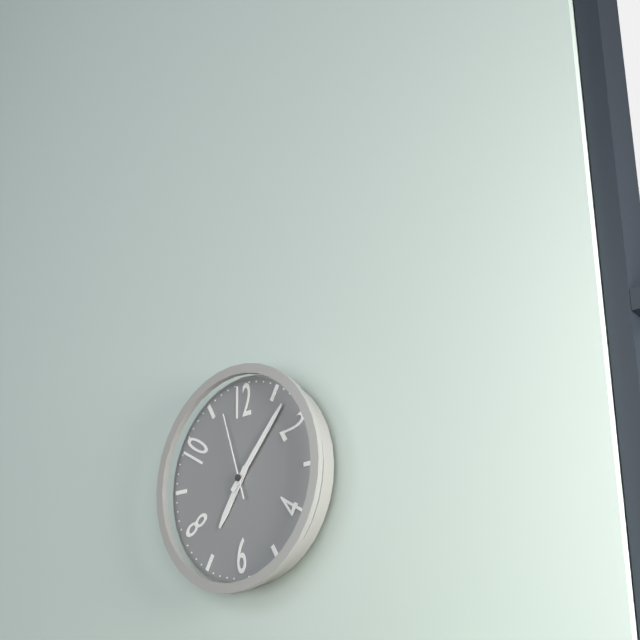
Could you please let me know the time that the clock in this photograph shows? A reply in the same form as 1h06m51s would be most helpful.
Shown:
7h07m57s
